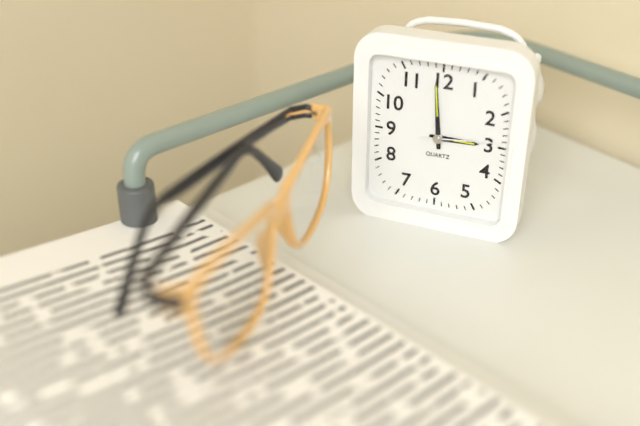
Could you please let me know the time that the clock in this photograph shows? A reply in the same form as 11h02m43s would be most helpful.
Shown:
2h59m14s
